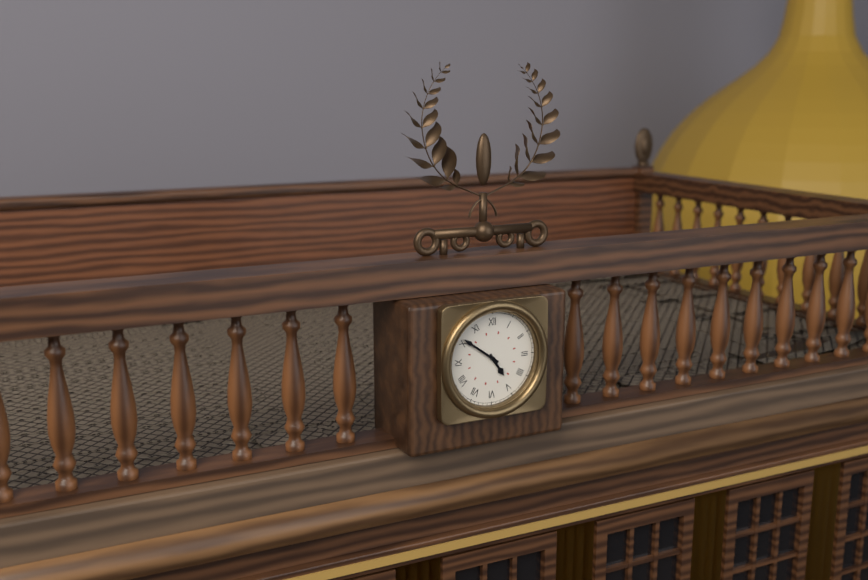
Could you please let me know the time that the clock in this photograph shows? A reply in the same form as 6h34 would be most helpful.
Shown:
4h51
